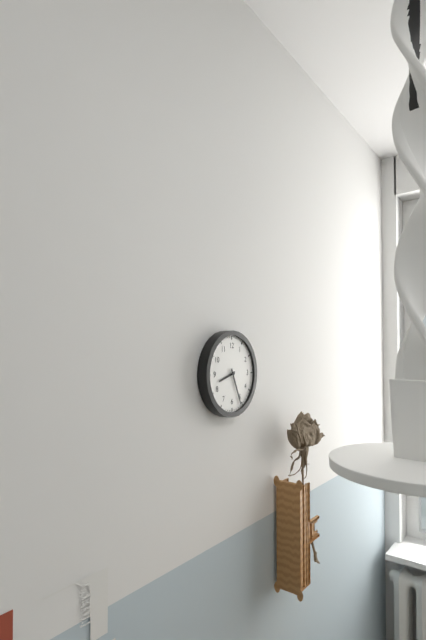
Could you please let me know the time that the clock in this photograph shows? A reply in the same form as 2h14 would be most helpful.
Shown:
8h26
